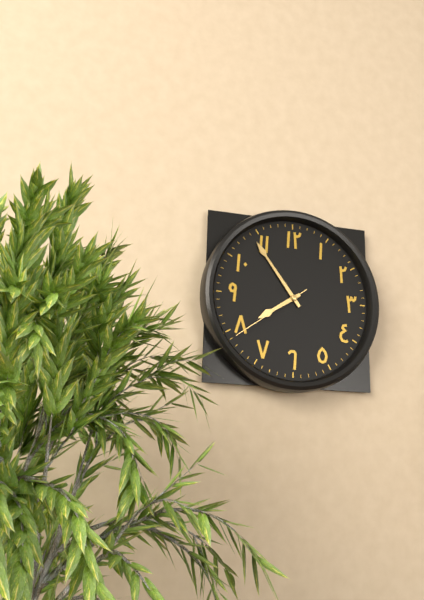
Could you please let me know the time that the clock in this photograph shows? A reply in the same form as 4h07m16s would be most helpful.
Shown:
7h54m39s
